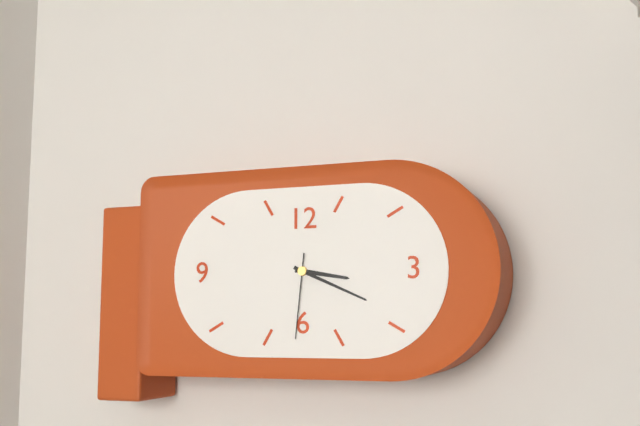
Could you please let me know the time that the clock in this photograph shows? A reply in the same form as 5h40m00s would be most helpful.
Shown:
3h19m31s
